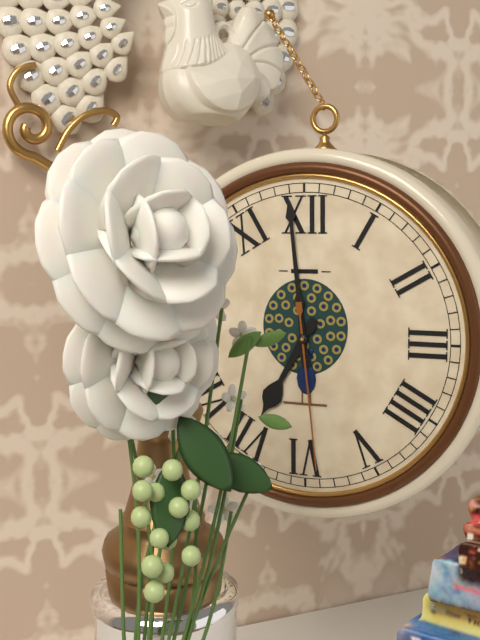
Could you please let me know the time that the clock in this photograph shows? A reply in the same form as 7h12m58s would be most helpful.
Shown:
6h59m29s
